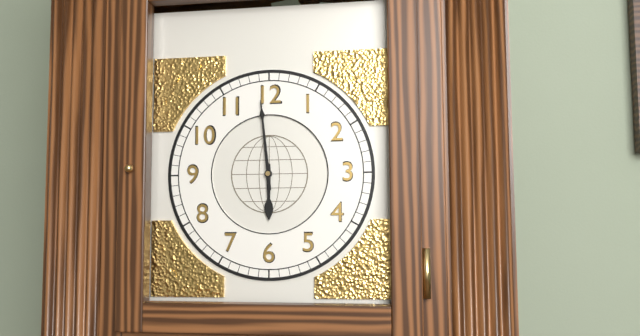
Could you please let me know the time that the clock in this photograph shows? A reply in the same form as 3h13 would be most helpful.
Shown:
5h59
